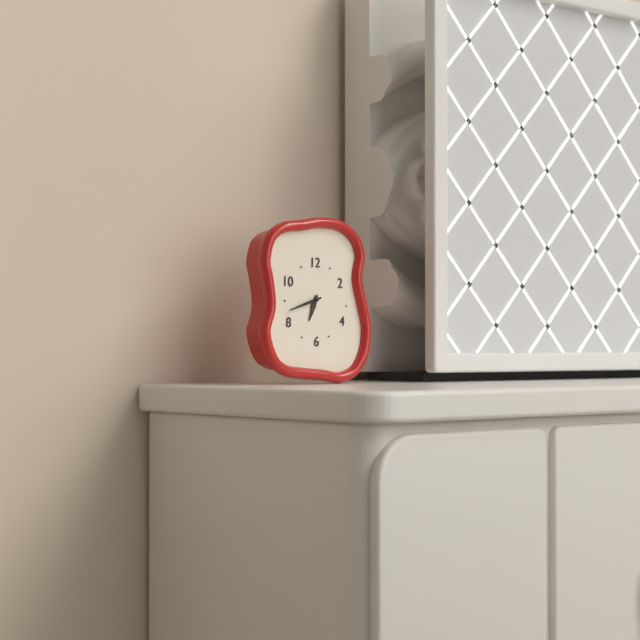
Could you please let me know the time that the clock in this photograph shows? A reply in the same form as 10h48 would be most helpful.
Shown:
6h42
